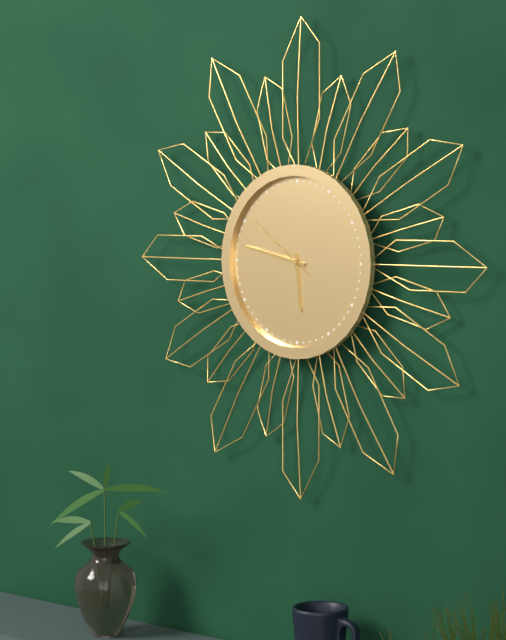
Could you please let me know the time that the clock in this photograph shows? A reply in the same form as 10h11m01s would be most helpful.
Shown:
5h47m51s
